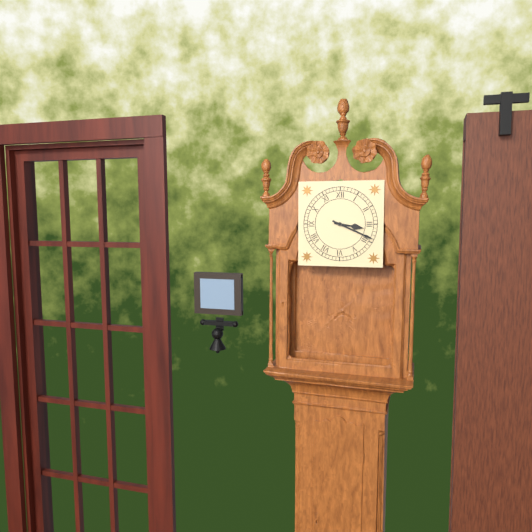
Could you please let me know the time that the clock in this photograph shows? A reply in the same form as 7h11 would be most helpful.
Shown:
3h19
